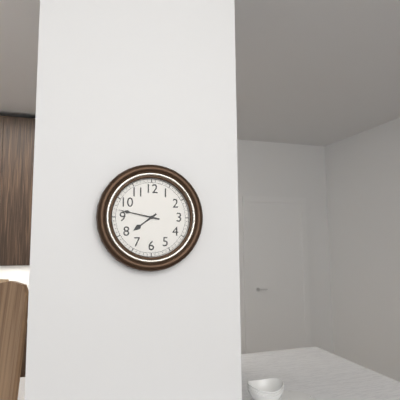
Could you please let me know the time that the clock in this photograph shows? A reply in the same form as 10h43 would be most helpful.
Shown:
7h47
